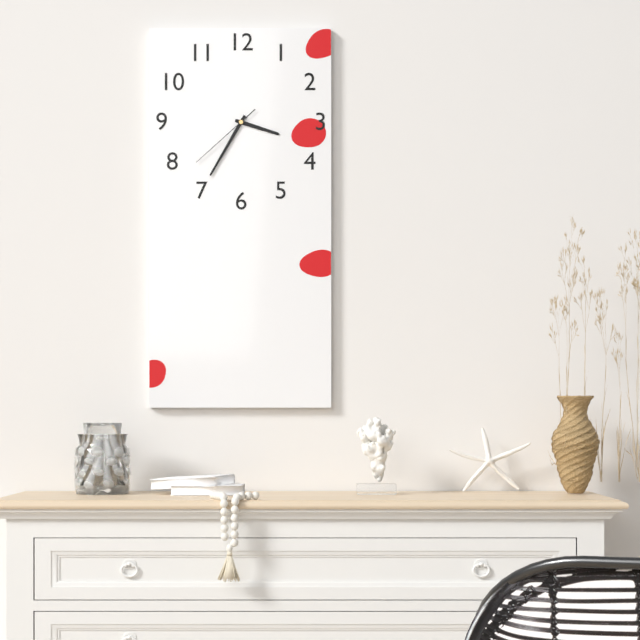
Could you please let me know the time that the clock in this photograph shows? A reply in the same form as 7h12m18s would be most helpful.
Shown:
3h35m38s
